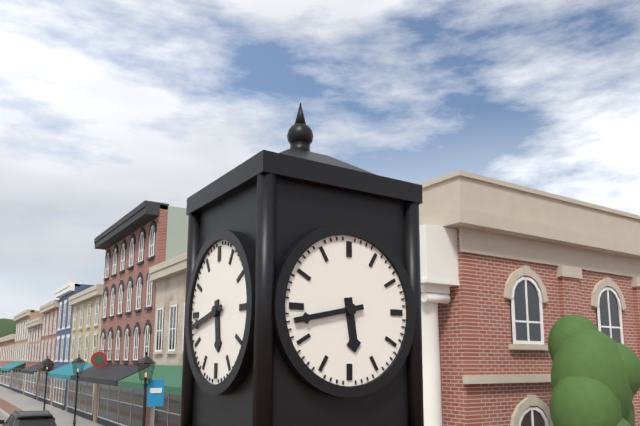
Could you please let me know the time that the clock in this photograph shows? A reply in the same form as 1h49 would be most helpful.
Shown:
5h43
